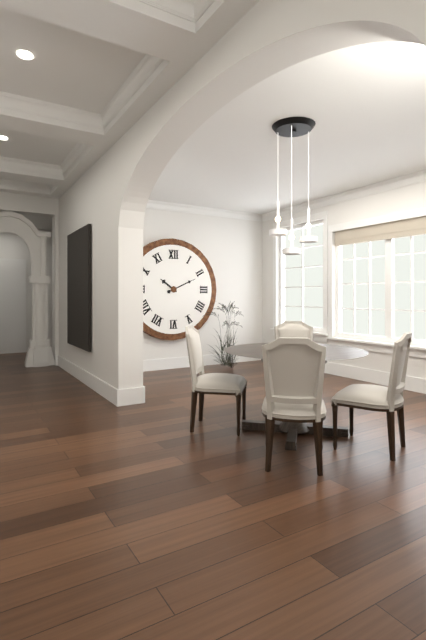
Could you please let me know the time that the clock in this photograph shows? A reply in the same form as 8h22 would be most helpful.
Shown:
10h11
